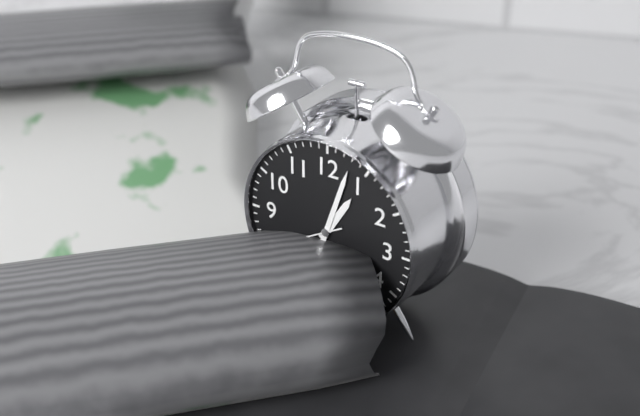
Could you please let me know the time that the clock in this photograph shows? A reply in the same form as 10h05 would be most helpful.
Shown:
1h03
